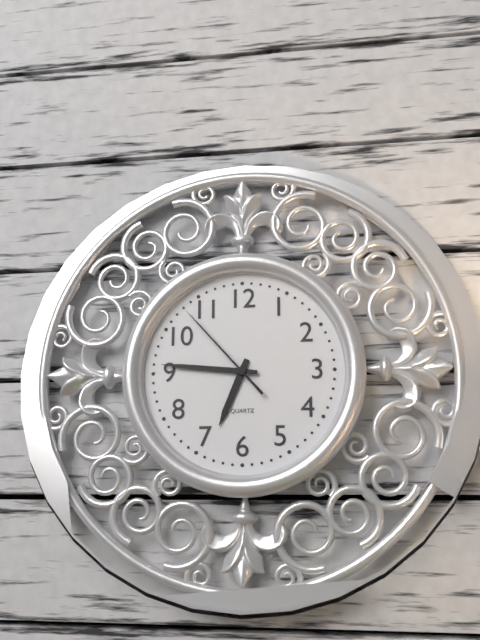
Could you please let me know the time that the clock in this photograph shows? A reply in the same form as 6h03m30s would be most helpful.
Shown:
6h46m53s
